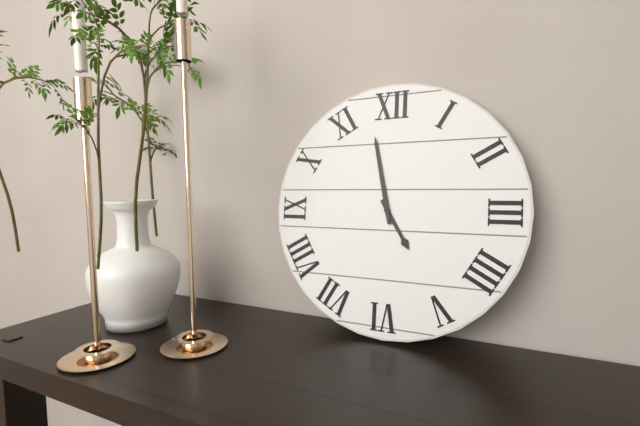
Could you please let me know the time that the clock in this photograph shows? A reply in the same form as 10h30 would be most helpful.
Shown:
4h58
